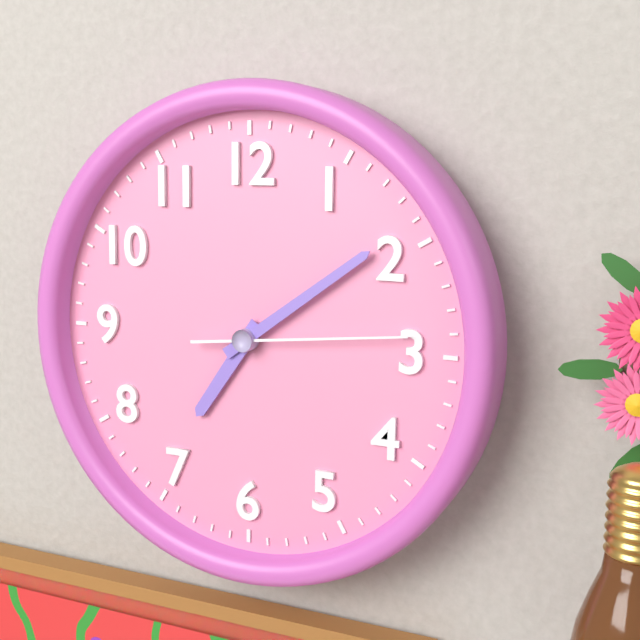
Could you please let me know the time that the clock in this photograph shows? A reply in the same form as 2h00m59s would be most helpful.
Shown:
7h09m14s
